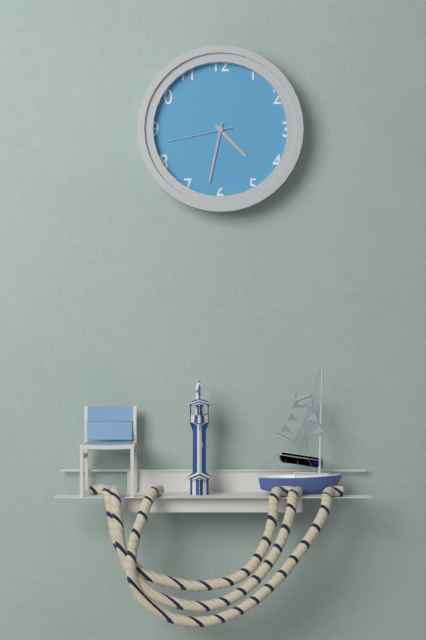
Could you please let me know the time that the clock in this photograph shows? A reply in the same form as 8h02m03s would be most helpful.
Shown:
4h32m43s
